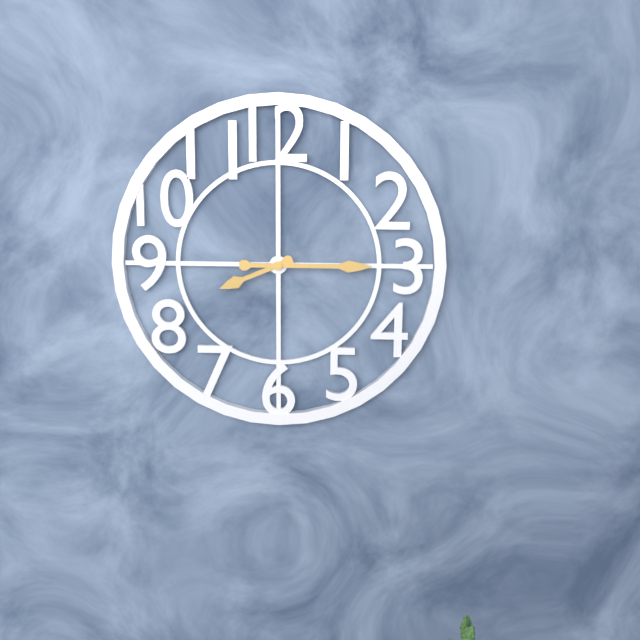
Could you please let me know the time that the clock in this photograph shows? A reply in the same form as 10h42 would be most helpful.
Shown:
8h15
